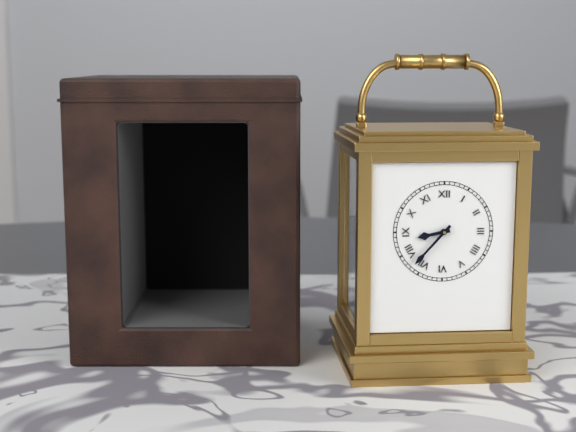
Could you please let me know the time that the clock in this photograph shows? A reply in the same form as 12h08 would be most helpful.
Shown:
8h37
